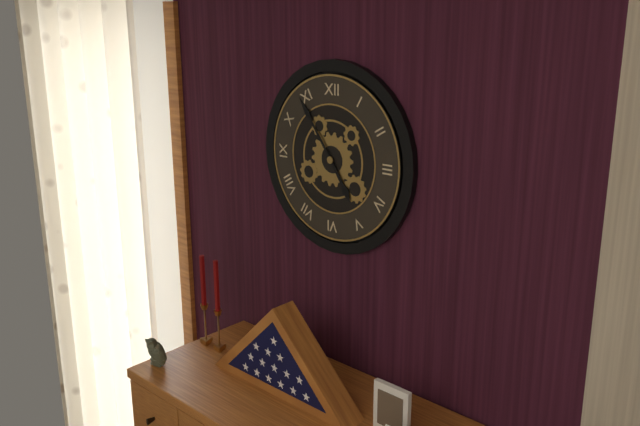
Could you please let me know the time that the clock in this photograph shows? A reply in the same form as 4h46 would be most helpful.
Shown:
4h54
